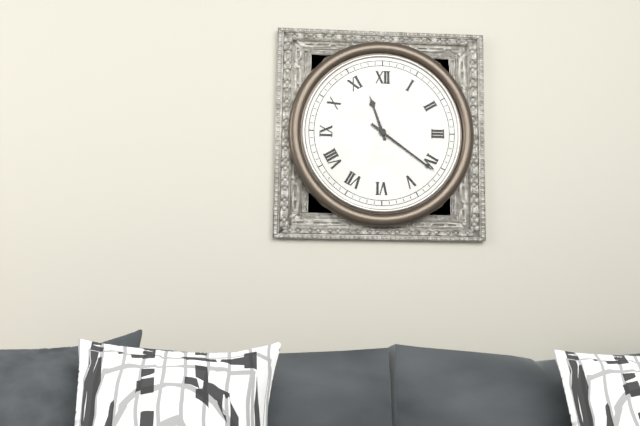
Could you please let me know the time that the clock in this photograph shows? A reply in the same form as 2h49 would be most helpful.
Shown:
11h21
